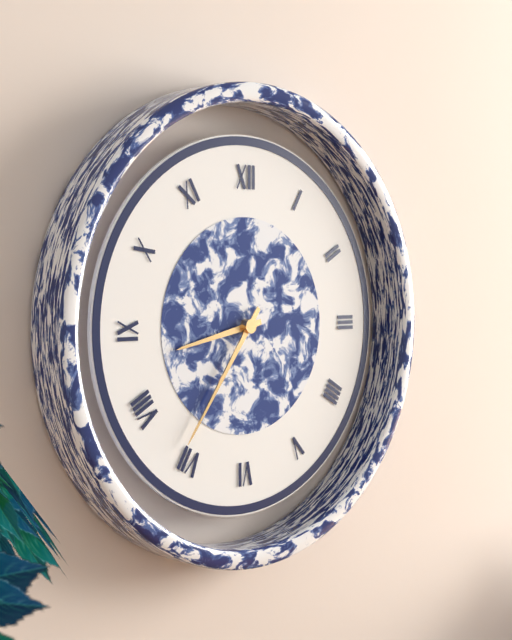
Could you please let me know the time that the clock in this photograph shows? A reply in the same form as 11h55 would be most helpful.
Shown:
8h36
